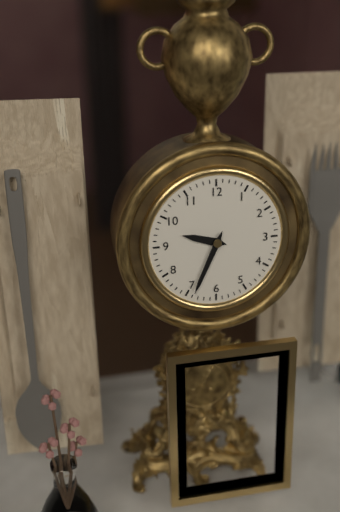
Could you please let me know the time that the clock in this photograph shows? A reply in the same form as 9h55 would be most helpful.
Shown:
9h34
